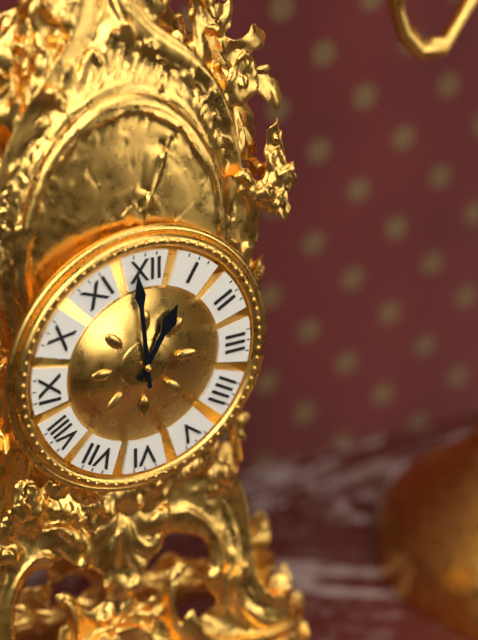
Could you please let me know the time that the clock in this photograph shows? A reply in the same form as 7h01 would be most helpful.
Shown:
12h59
